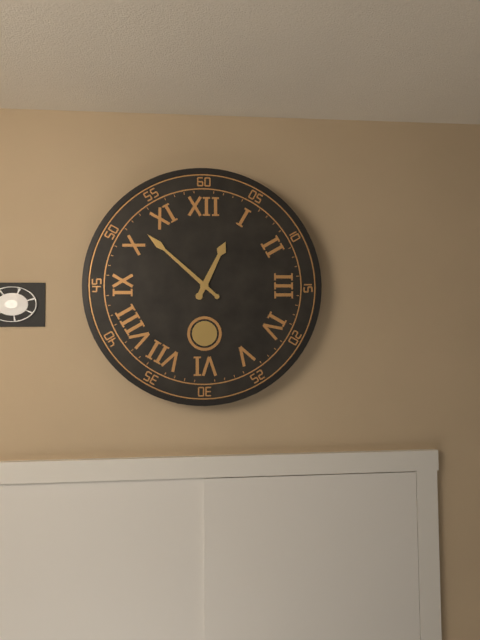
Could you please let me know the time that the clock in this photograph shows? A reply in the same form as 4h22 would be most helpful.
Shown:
12h52
